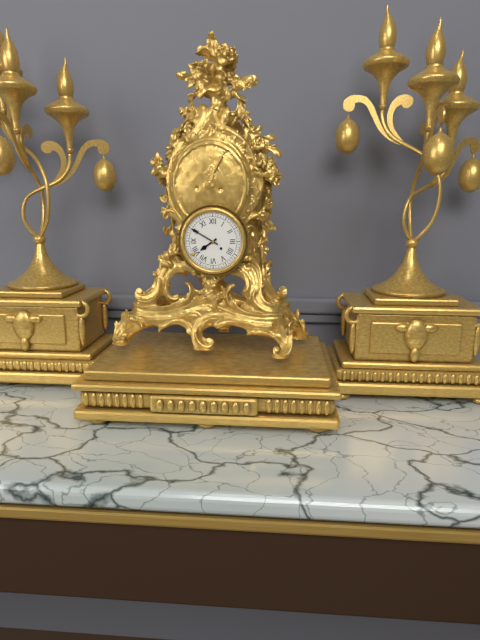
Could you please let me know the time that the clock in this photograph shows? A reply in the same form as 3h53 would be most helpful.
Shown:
7h50
